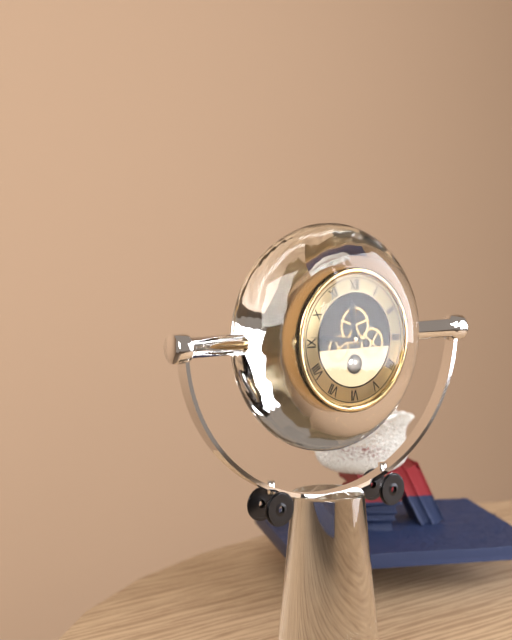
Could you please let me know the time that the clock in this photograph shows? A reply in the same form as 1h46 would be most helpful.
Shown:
11h46
